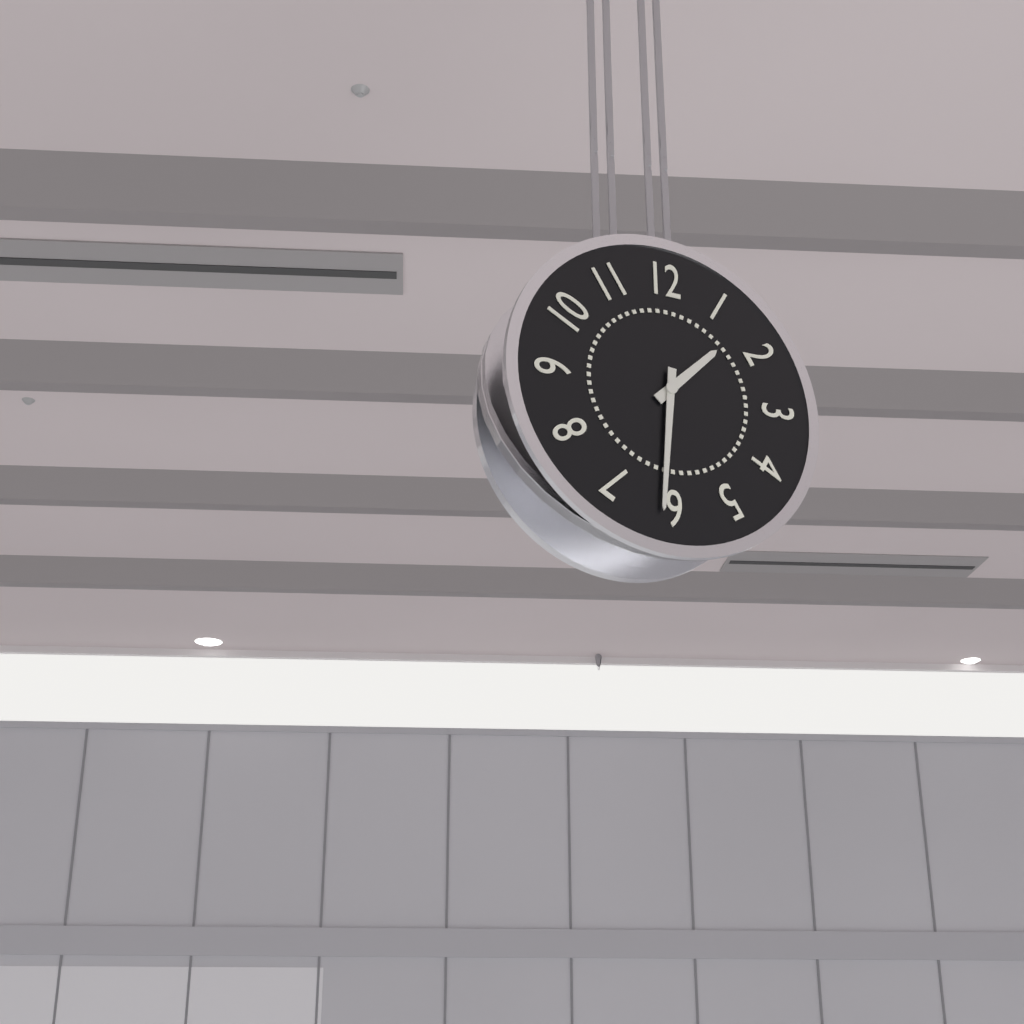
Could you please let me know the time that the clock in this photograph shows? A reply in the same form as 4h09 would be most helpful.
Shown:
1h31
